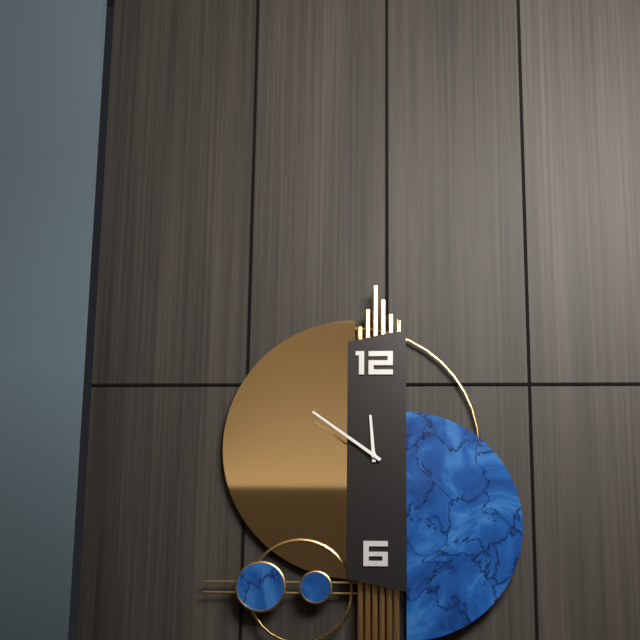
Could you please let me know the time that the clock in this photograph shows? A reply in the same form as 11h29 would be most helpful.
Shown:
11h51
